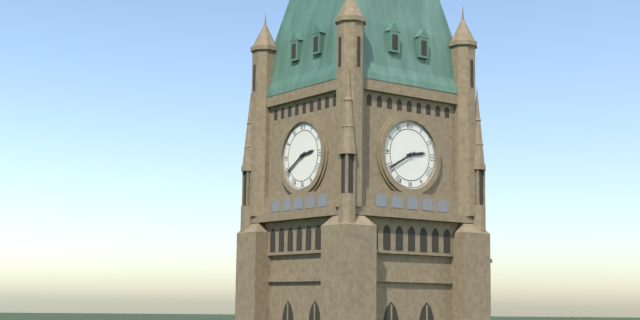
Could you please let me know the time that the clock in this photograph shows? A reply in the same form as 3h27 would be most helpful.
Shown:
2h40
